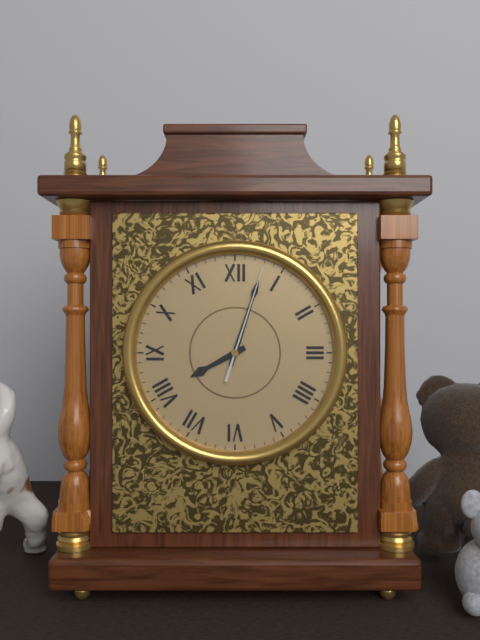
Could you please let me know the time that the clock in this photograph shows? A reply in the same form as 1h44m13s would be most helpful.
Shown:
8h03m03s
